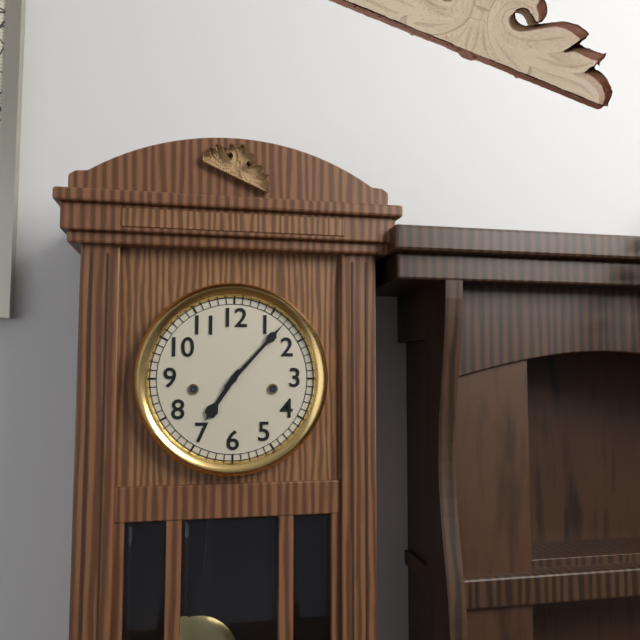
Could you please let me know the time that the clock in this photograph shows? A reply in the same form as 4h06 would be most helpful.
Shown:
7h07
